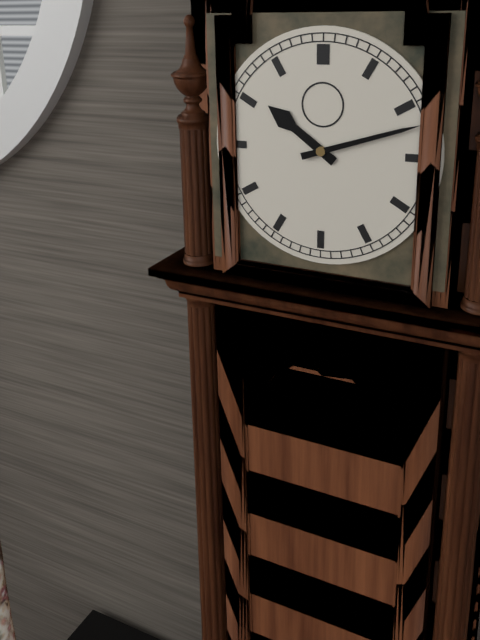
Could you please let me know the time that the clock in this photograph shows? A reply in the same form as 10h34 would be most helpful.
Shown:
10h12
